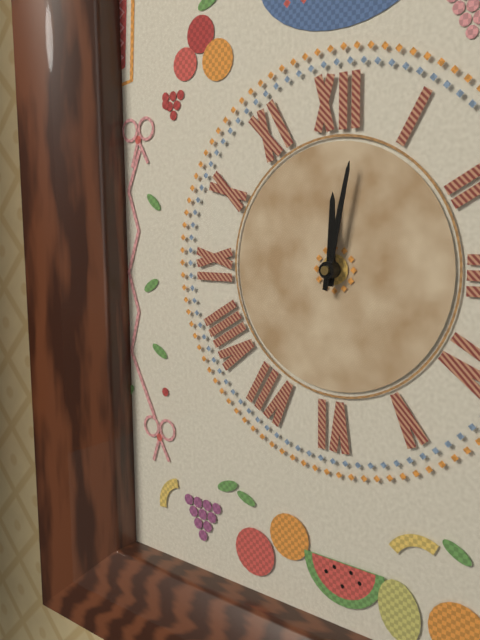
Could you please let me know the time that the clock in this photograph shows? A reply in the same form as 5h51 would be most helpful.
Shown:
12h02
